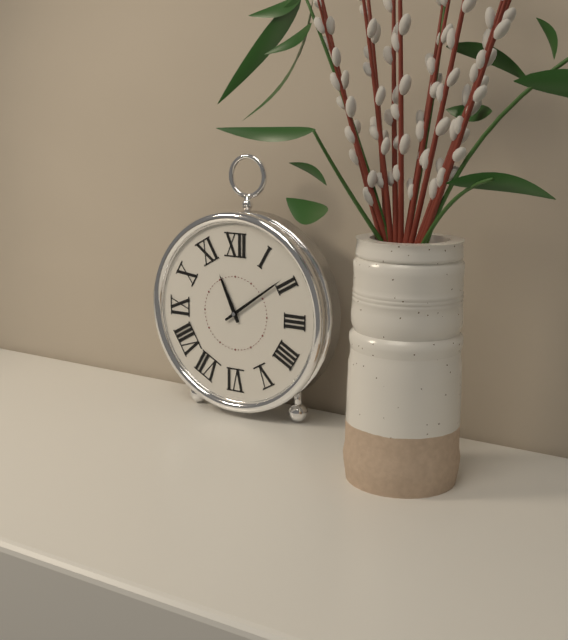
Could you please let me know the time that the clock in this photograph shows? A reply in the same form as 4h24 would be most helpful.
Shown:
11h09
